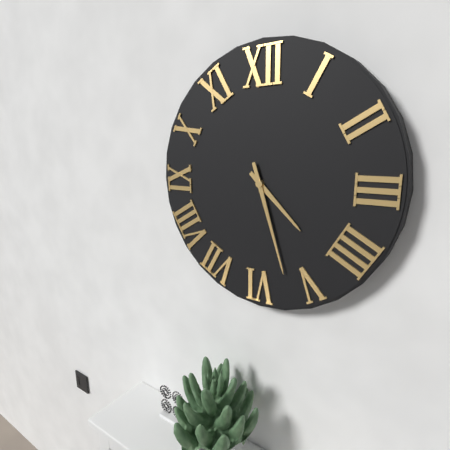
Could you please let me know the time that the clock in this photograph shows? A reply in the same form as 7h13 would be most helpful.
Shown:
4h27
